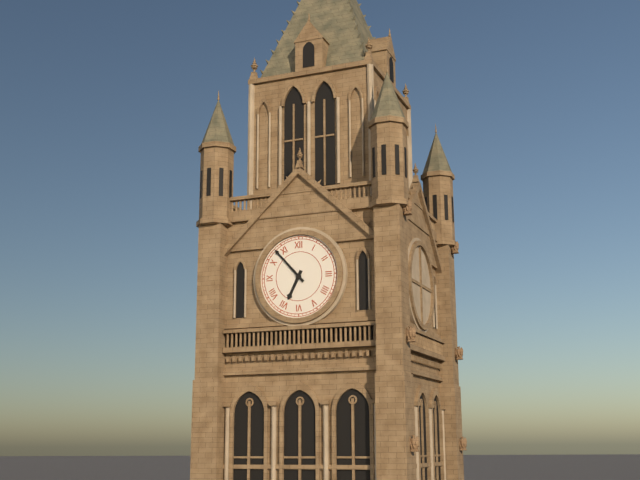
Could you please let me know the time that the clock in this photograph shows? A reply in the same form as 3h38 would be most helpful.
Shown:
6h53
